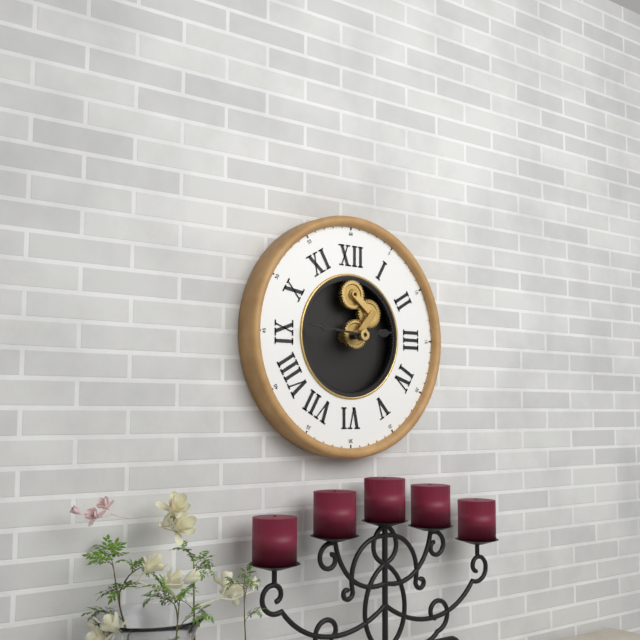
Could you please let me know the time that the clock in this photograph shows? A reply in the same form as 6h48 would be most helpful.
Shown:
2h46
